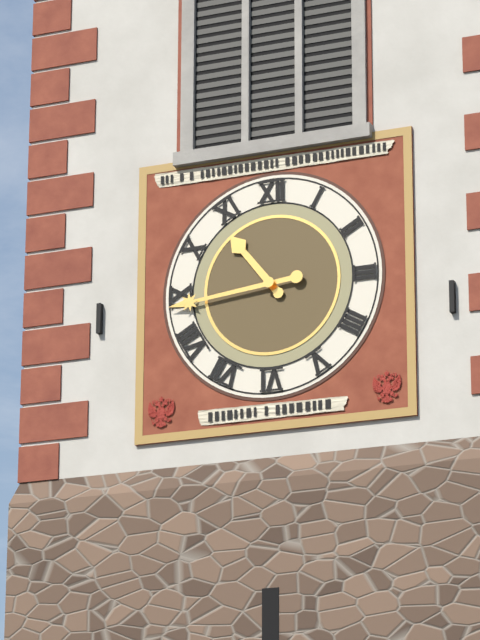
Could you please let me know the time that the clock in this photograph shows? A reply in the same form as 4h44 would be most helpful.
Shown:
10h44
